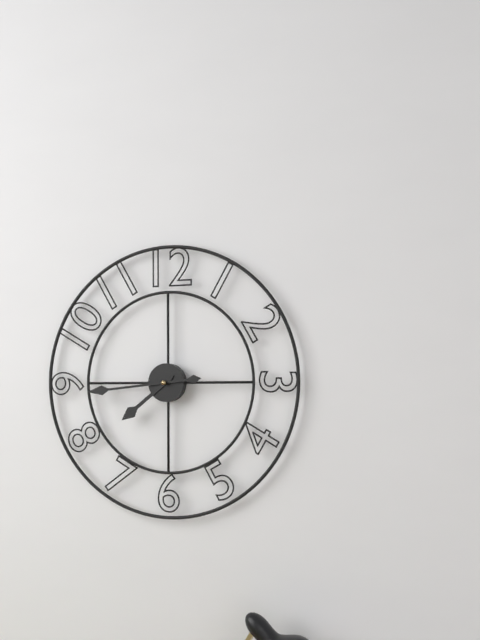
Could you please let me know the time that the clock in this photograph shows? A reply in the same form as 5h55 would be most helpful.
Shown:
7h44
